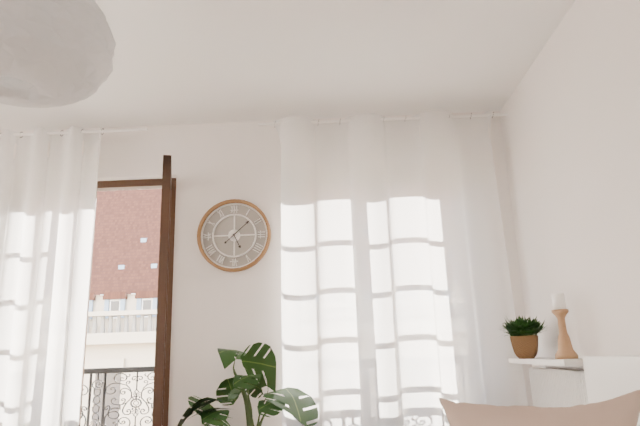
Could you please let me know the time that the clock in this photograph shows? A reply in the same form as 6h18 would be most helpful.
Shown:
5h08
